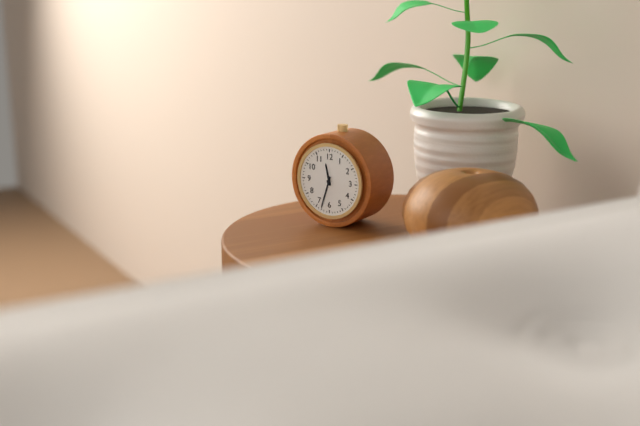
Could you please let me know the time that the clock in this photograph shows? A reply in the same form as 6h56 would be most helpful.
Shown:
11h33
